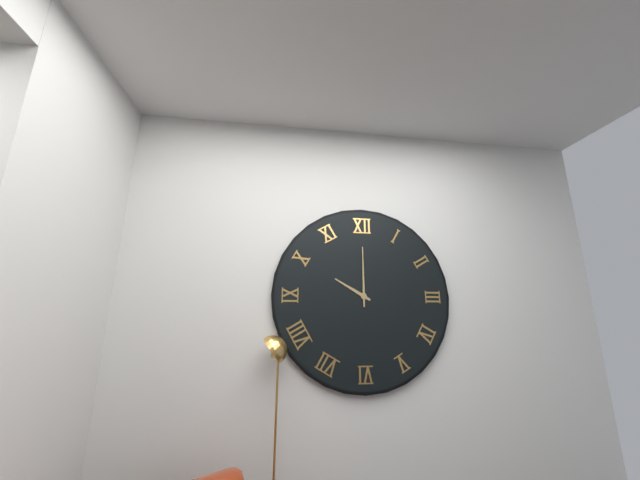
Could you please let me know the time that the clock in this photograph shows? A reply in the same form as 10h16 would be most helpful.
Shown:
10h00
